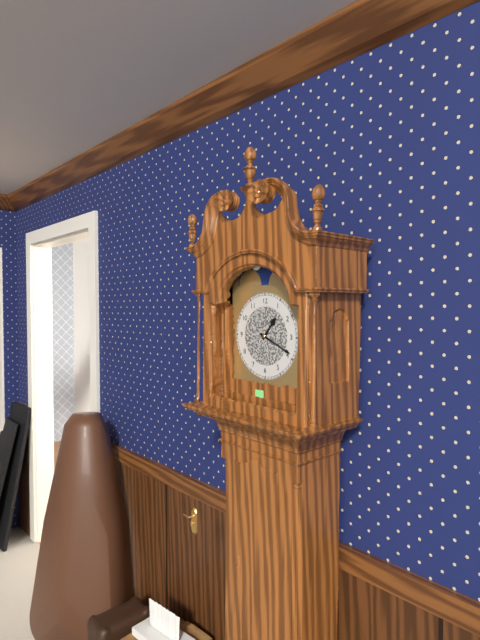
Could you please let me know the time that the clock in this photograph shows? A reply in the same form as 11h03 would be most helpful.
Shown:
1h19
